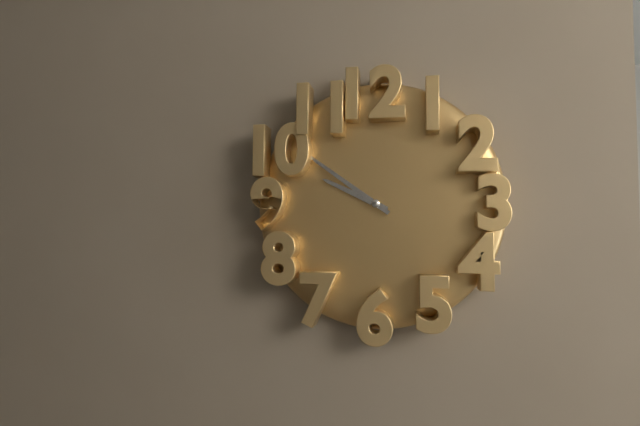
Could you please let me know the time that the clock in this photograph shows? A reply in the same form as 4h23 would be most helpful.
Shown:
9h51
